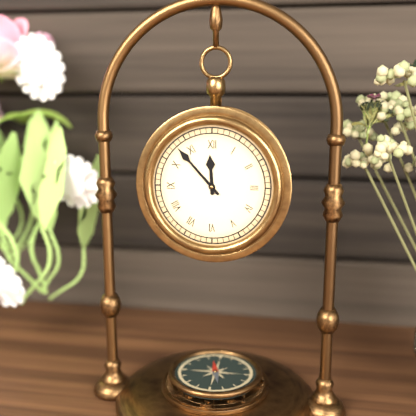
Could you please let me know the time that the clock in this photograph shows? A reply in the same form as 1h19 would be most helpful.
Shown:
11h53
